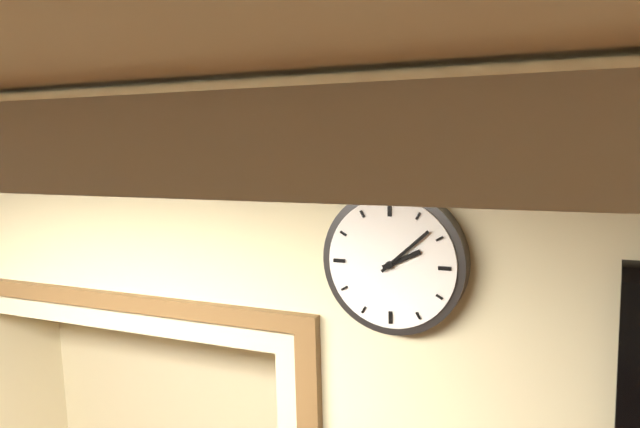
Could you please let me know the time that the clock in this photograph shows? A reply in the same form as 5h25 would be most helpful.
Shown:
2h08
